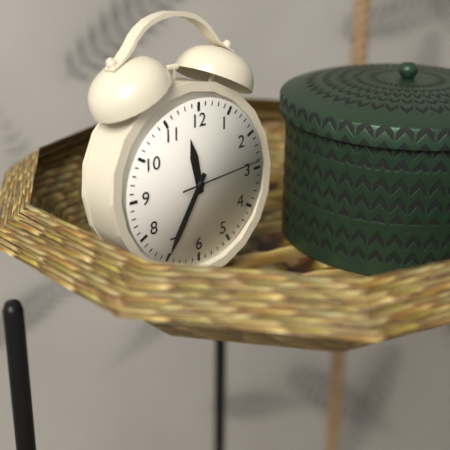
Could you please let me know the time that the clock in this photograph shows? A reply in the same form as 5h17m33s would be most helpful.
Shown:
11h35m14s
